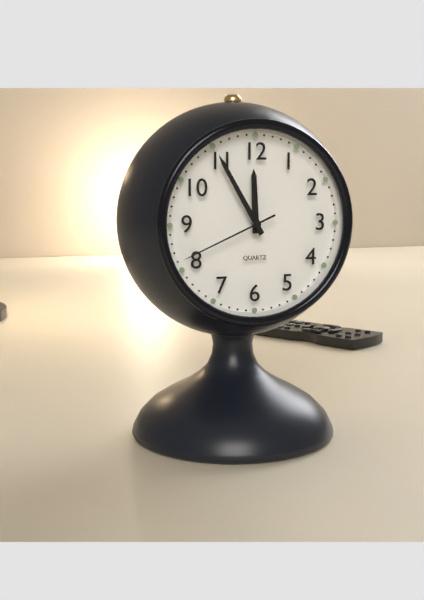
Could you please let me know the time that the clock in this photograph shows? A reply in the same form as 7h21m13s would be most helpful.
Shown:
11h55m41s
